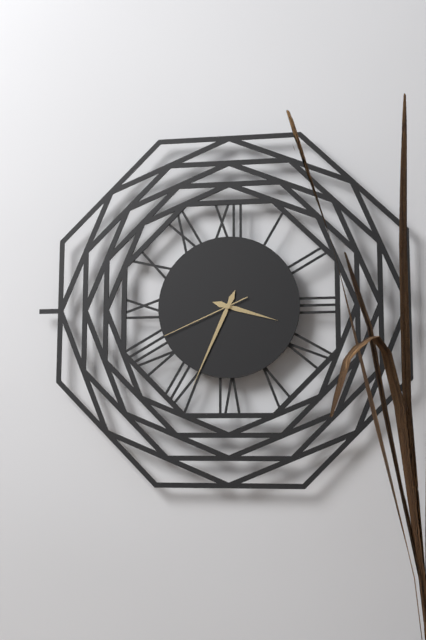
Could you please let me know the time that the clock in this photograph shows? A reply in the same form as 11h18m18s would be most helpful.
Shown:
3h34m41s
